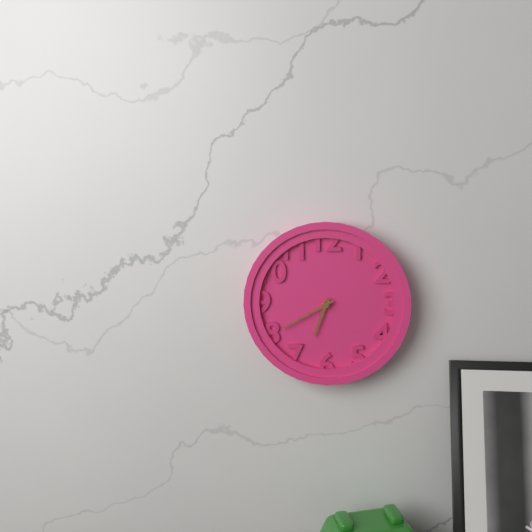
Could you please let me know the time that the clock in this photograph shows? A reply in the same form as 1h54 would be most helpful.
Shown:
6h40
